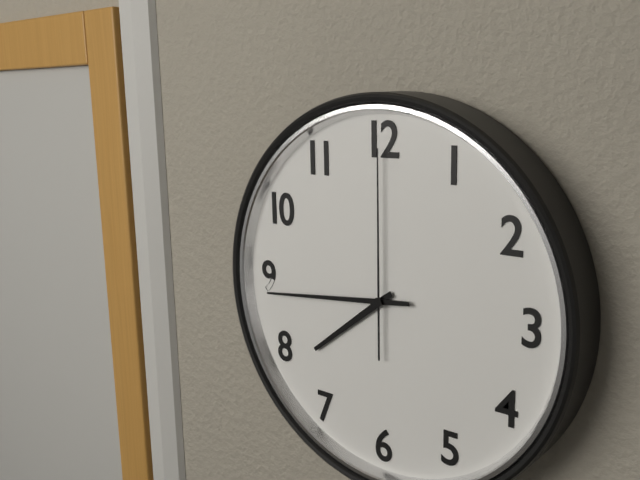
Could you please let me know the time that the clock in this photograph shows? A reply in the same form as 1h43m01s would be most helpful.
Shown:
7h44m00s
